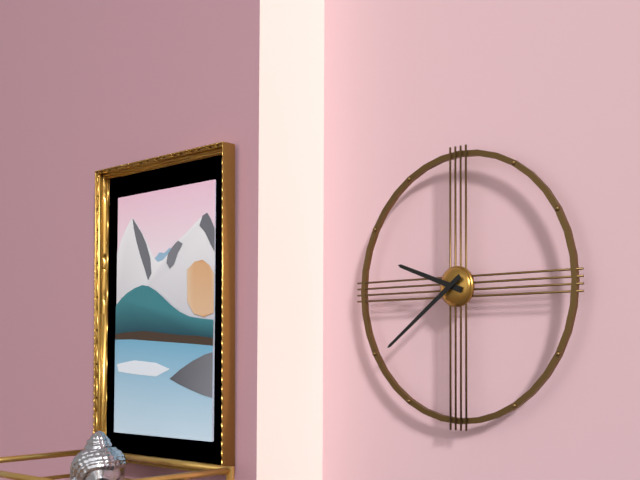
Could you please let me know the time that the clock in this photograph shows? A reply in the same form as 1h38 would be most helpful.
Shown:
9h39
